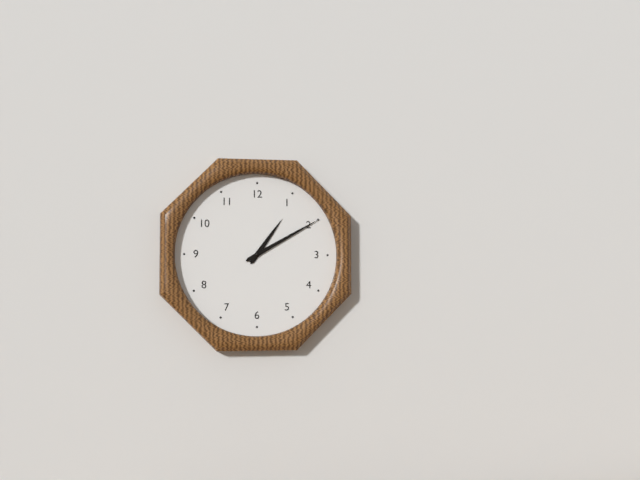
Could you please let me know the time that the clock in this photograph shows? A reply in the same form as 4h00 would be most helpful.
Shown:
1h10
